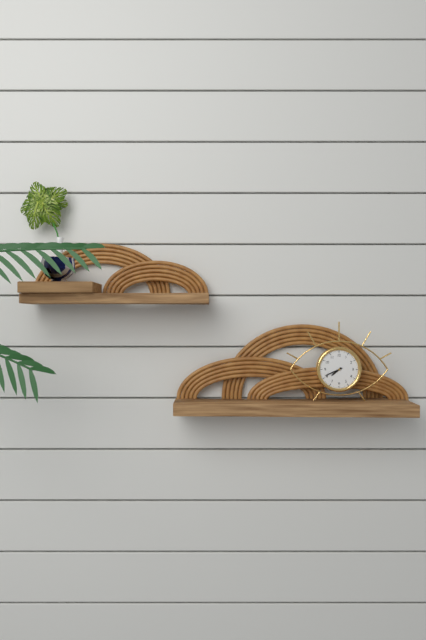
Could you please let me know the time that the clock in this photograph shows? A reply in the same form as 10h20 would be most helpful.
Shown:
7h41
